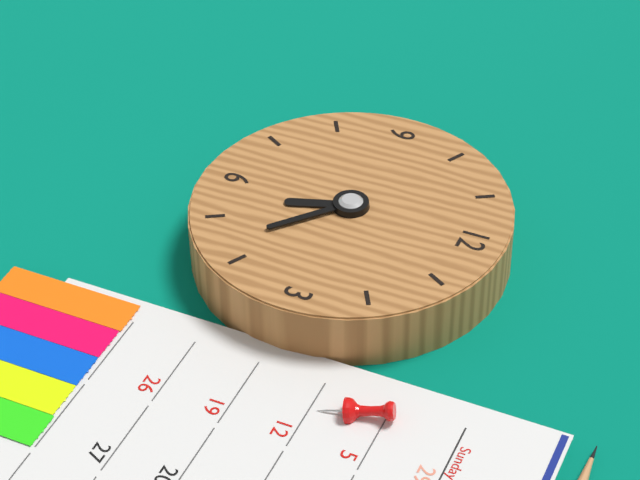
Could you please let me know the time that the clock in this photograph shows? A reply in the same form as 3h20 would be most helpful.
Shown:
5h22
